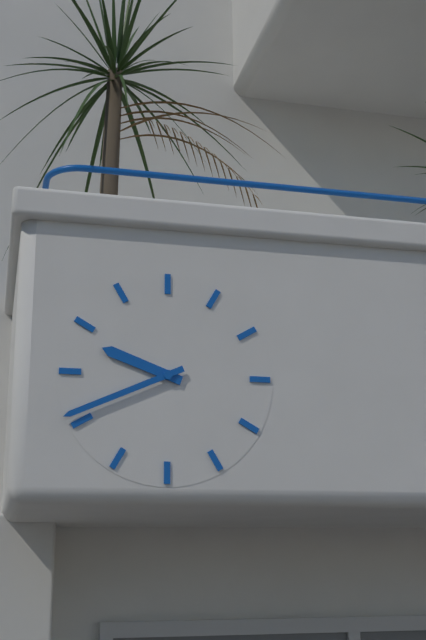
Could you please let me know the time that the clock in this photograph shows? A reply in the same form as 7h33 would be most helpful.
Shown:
9h41
